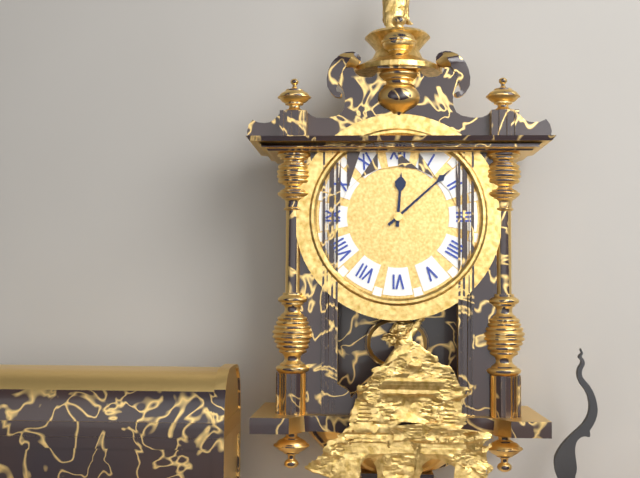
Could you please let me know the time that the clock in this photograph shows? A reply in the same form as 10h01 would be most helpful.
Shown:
12h08
